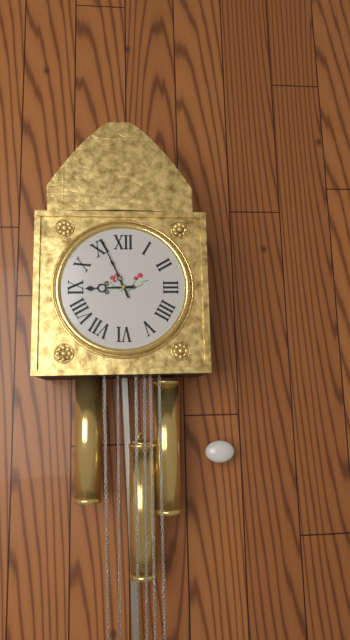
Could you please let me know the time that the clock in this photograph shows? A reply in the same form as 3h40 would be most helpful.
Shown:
8h56
